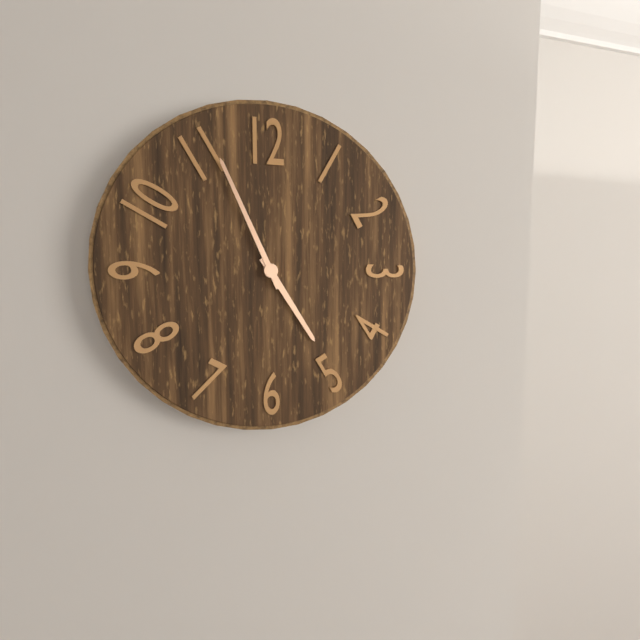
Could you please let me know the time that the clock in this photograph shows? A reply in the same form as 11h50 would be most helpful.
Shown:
4h56
